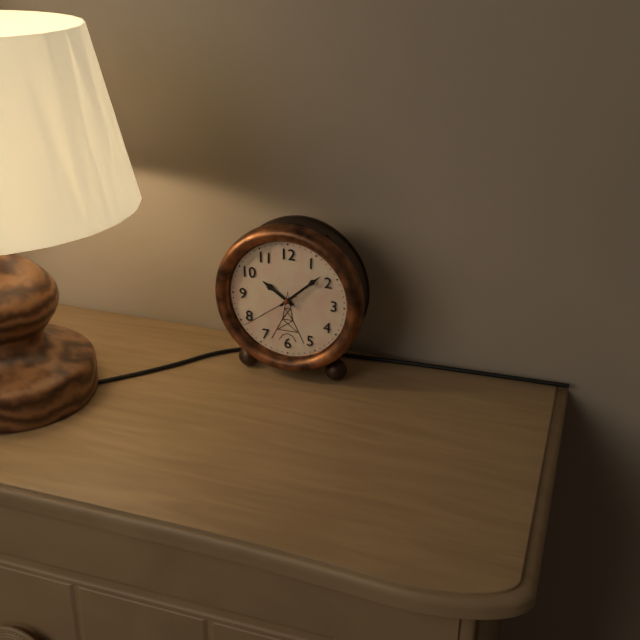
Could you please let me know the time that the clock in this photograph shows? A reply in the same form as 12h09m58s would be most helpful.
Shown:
10h08m39s
